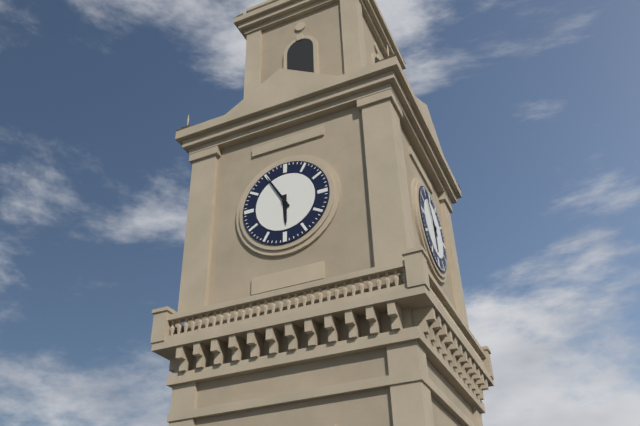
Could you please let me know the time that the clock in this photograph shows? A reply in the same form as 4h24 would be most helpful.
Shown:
5h55
